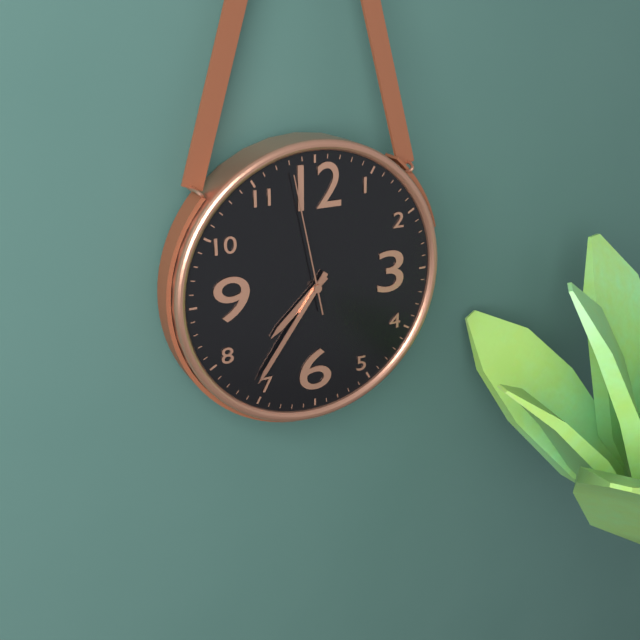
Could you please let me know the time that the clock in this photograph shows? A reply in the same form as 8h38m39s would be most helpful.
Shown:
7h36m58s
